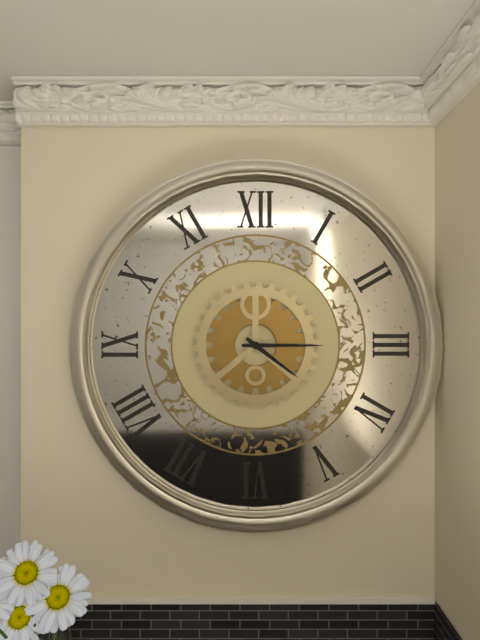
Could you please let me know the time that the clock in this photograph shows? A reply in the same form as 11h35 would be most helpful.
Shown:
4h15
